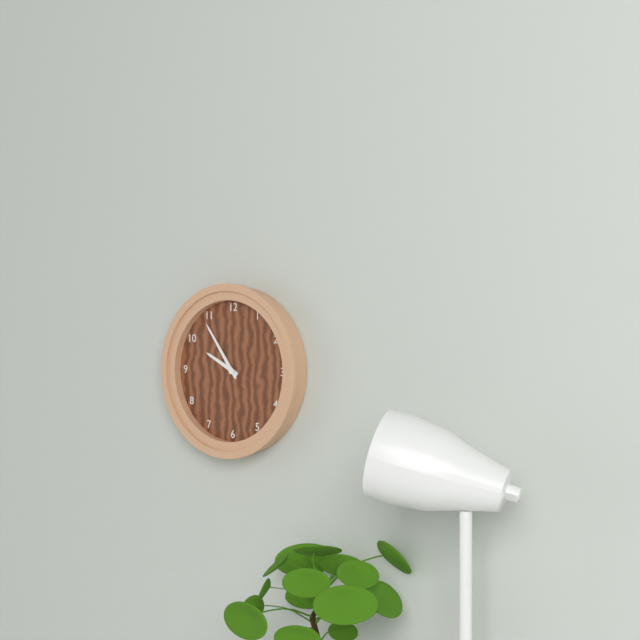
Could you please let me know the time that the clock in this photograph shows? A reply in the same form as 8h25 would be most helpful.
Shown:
9h54
